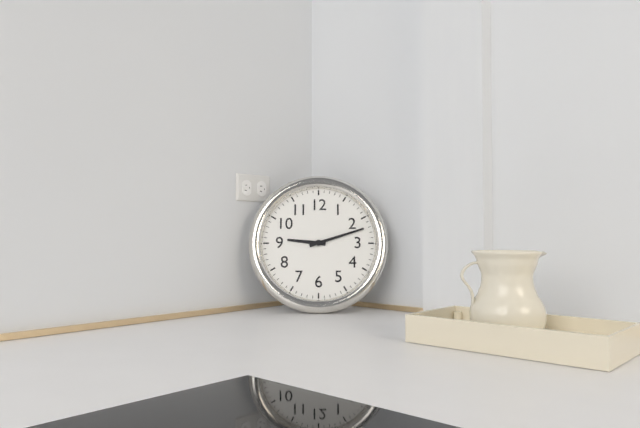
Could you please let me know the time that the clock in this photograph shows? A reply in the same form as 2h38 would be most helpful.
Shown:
9h12
